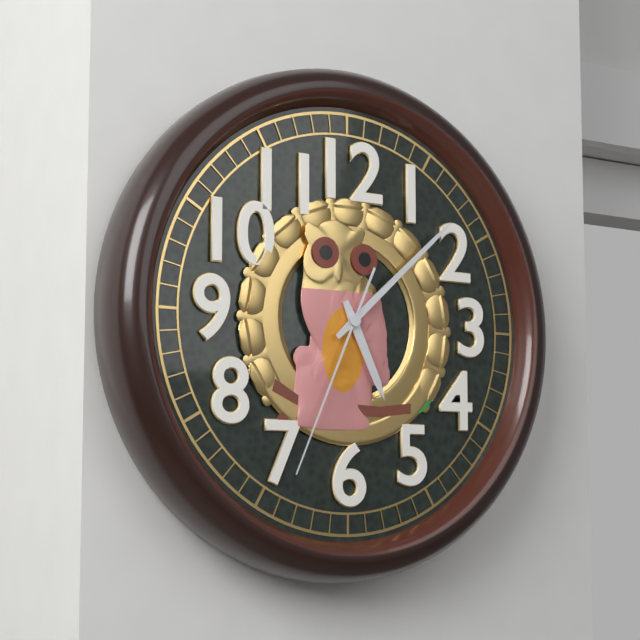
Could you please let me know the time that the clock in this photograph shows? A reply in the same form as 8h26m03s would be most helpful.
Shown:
5h08m34s
